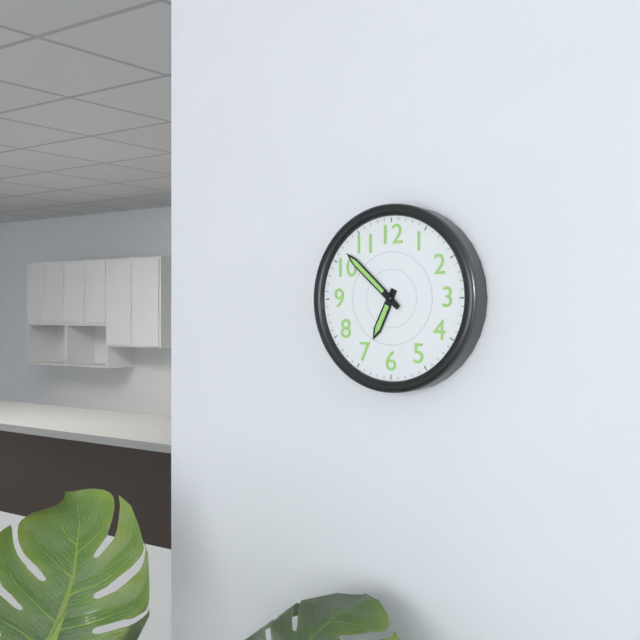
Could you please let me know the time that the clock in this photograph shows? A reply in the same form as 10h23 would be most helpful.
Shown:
6h52
